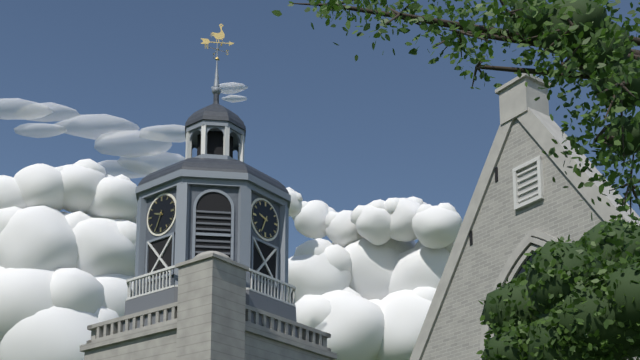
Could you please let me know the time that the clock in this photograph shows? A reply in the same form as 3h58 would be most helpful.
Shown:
9h34
